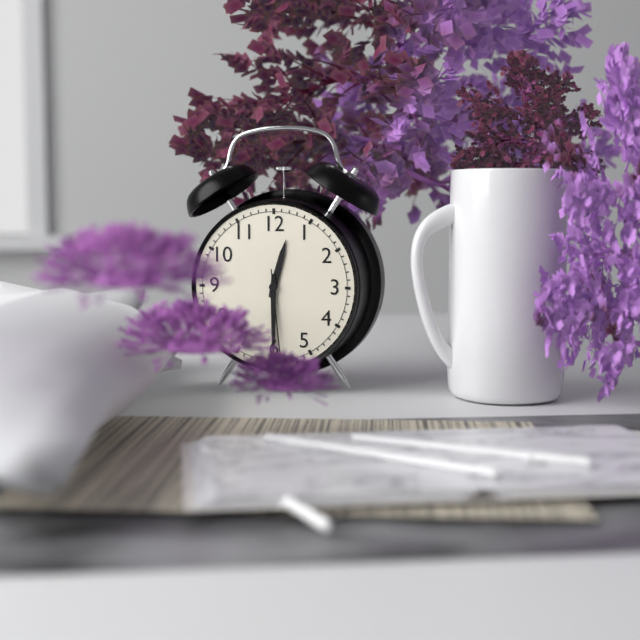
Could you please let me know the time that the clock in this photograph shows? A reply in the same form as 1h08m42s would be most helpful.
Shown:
12h30m29s
